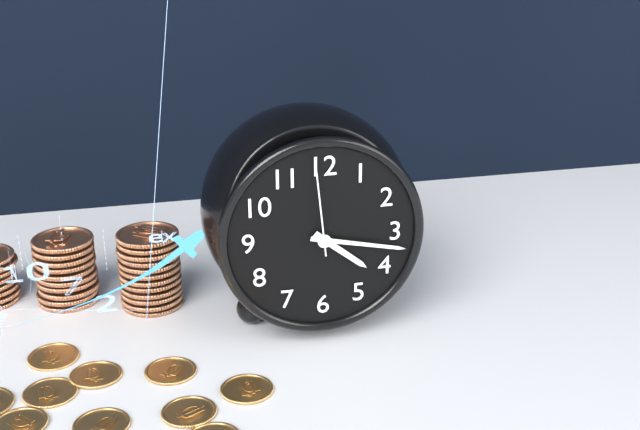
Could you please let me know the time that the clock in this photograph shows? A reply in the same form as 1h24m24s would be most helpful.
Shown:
4h17m59s
